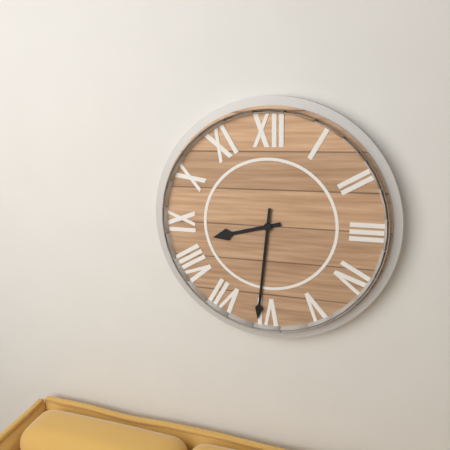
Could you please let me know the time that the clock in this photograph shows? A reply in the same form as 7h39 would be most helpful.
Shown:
8h31
